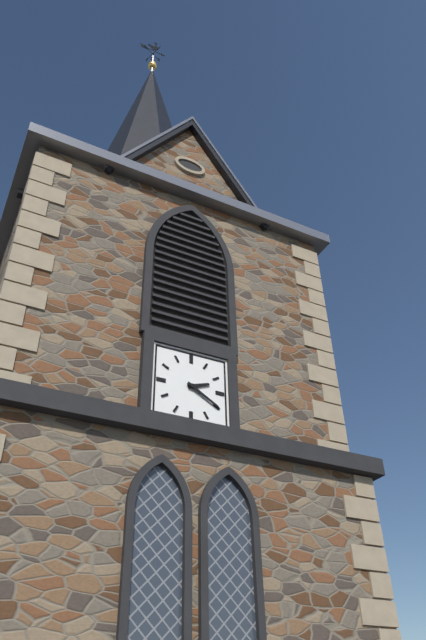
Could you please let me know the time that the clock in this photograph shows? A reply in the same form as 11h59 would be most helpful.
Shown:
2h20
